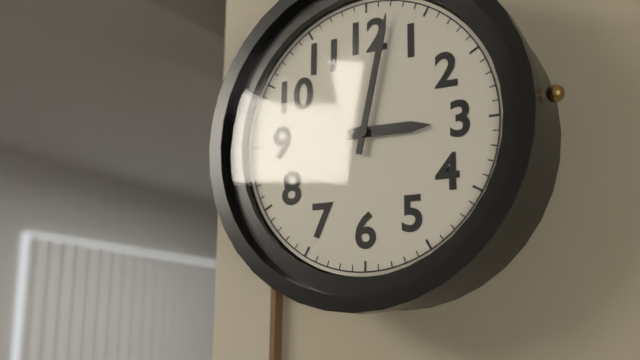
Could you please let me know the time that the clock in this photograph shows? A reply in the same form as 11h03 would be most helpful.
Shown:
3h02
